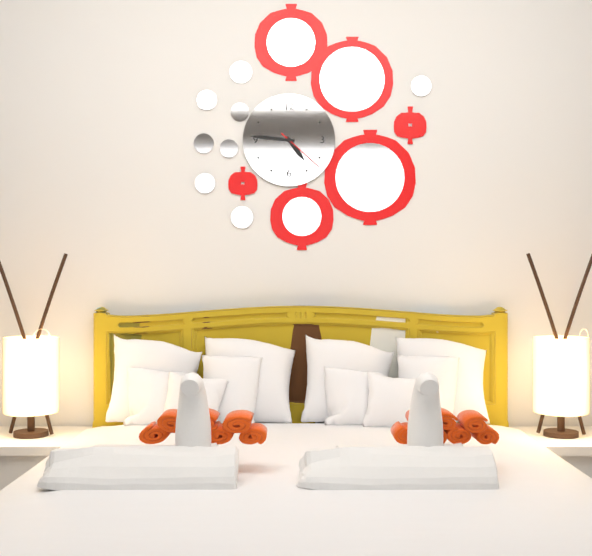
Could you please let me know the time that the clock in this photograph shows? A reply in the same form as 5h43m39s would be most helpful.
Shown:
4h46m22s
